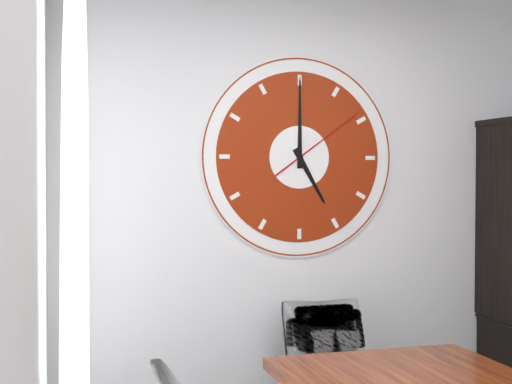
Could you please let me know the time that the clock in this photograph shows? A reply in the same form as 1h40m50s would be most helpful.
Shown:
5h00m09s
